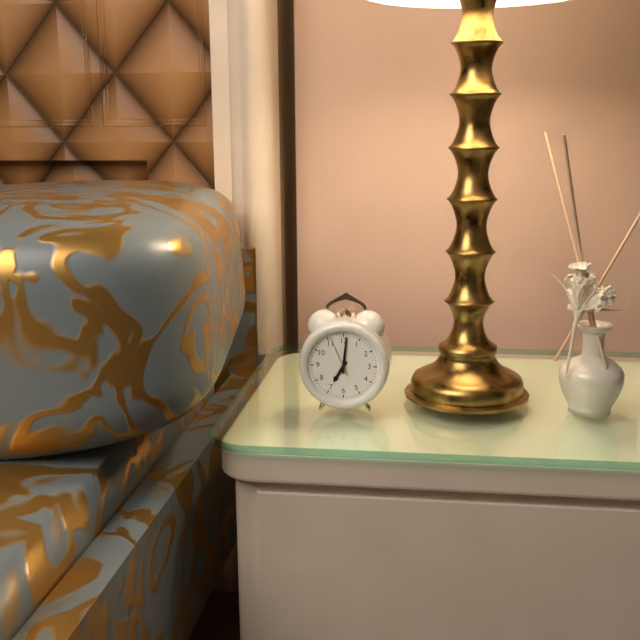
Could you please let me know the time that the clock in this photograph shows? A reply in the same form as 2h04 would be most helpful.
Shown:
7h01
